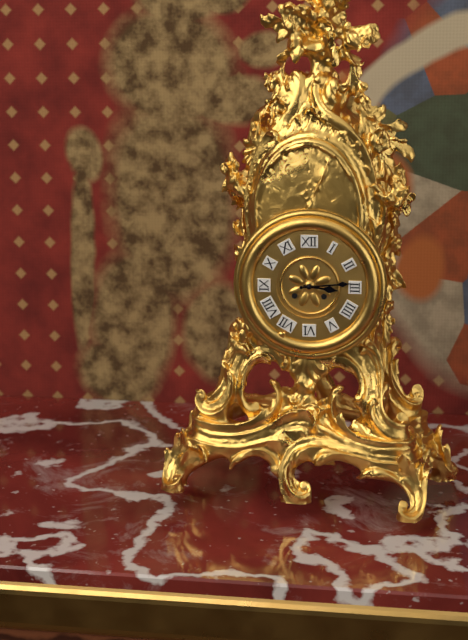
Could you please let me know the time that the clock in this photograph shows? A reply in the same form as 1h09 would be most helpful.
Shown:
3h14
